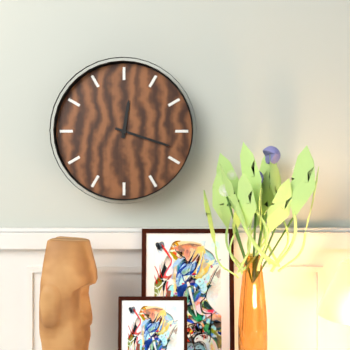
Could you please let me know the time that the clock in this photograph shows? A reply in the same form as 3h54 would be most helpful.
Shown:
12h18
